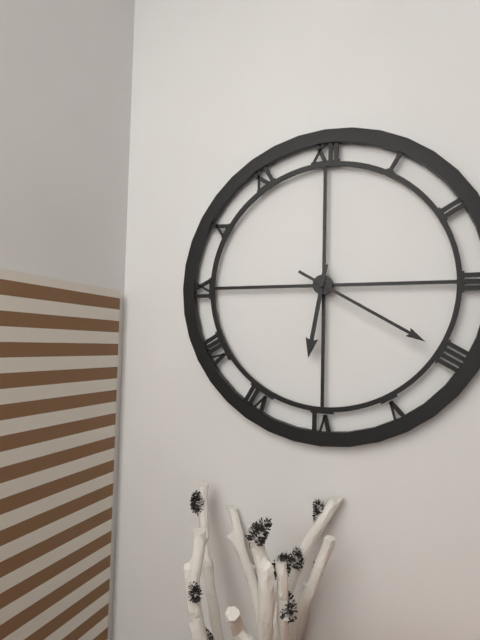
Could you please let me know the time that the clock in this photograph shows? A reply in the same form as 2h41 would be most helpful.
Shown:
6h20
